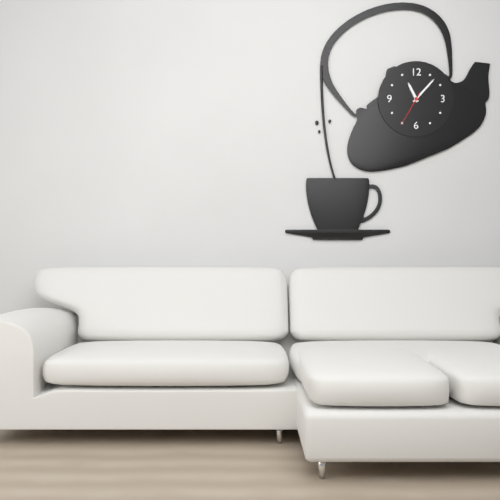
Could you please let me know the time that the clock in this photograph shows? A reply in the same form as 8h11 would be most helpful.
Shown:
11h07
